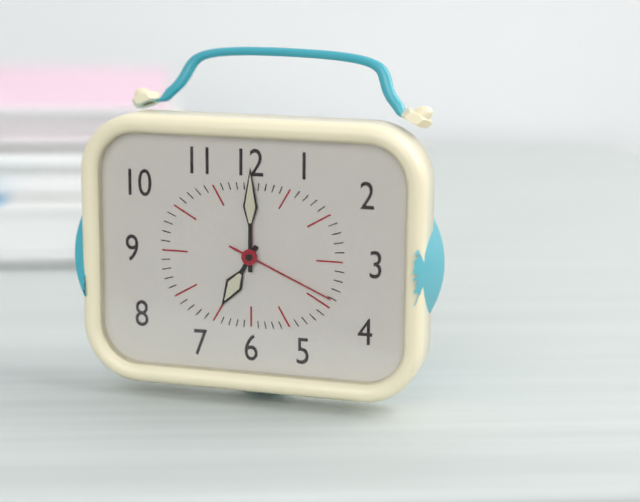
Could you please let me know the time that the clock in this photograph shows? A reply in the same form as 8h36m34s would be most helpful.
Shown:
7h00m19s
